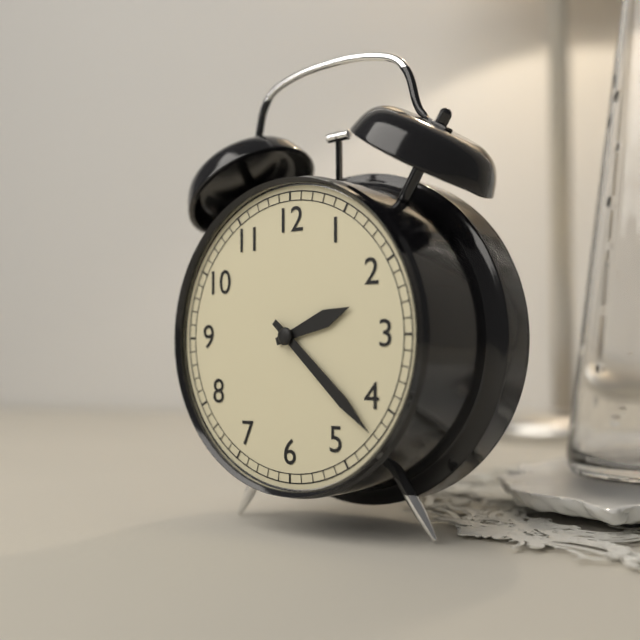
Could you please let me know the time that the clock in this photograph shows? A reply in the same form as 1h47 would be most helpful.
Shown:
2h22
